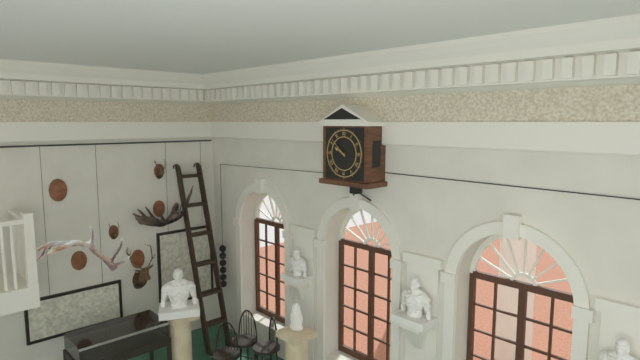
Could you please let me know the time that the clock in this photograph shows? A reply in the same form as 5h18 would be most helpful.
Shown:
9h52
